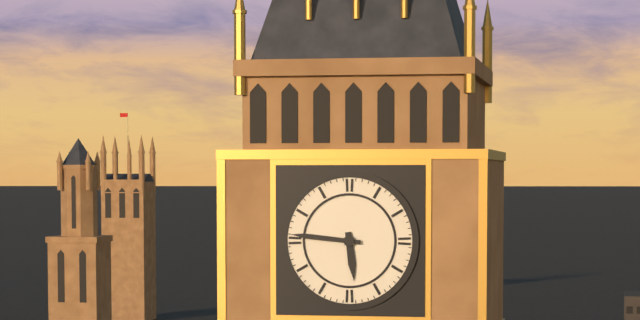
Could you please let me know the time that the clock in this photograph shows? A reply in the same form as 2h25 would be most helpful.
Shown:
5h46
